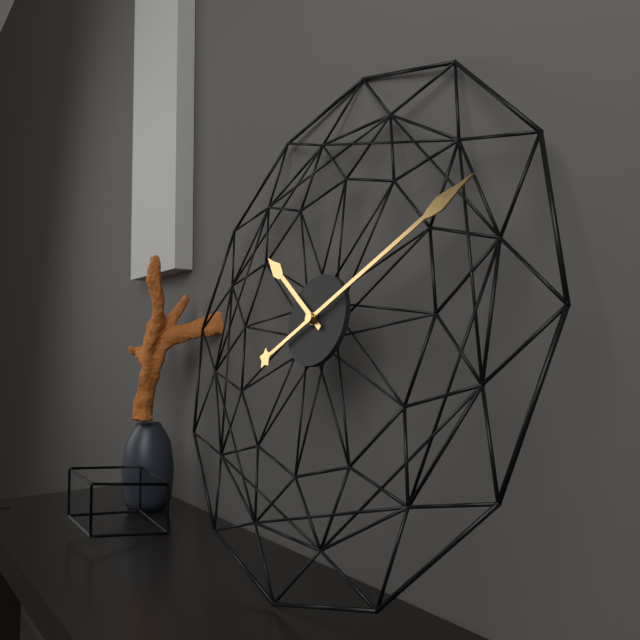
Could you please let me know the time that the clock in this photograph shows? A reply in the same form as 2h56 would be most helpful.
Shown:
10h10
